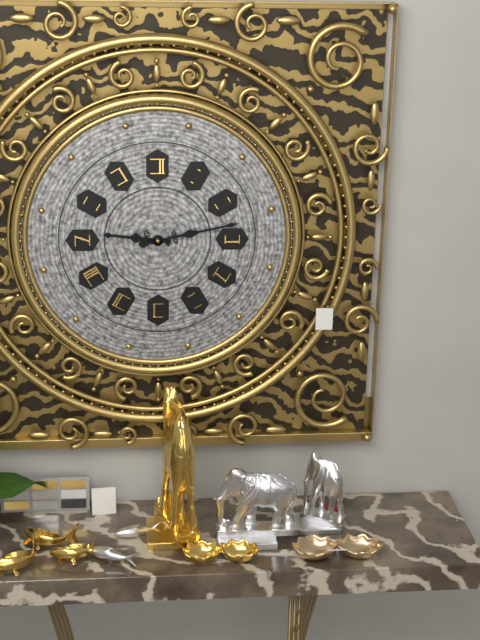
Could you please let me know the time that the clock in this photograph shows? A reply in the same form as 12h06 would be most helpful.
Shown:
9h13
